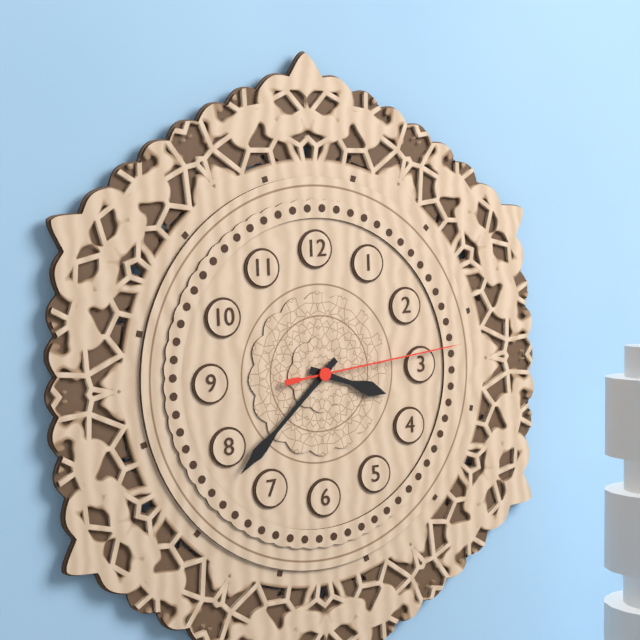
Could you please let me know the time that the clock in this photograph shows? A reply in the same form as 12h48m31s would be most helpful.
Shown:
3h38m14s
